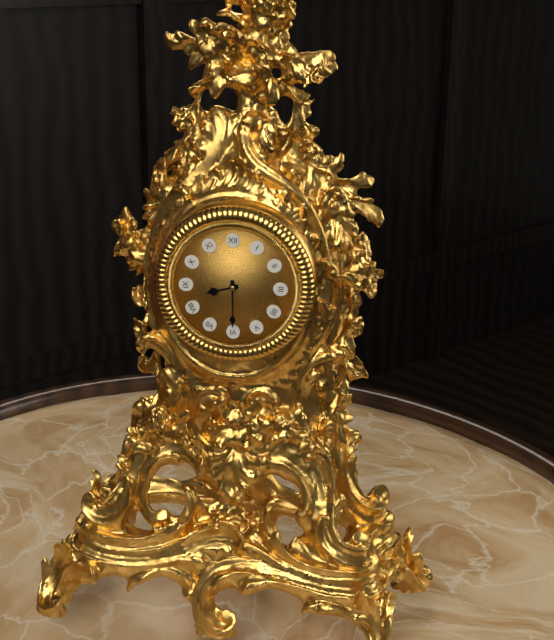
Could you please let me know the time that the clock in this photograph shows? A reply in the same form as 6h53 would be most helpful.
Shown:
8h30
